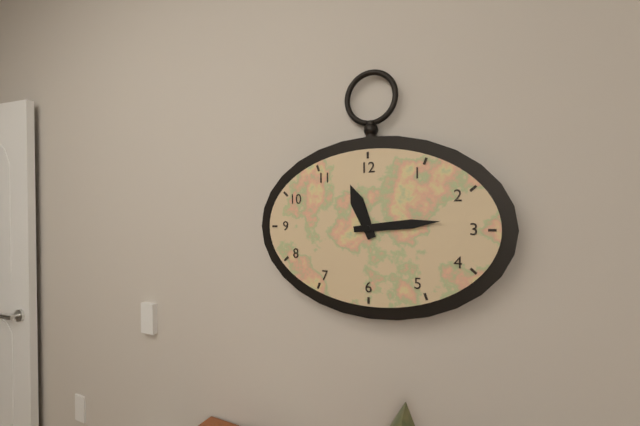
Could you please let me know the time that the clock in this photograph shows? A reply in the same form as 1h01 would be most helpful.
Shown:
11h14
